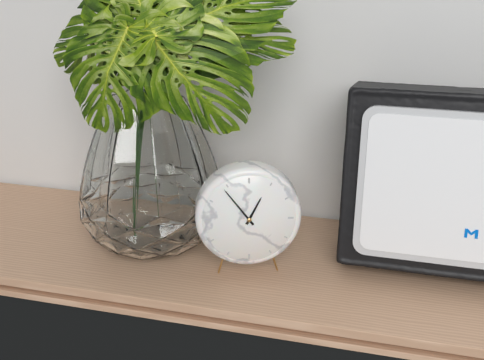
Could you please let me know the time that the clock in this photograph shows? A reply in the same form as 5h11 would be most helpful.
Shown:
12h54
